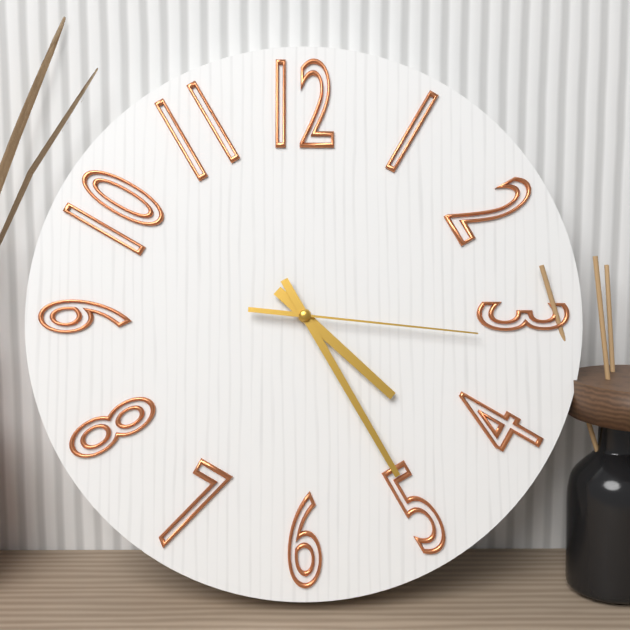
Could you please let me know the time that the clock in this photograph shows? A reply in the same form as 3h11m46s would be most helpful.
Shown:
4h25m16s
